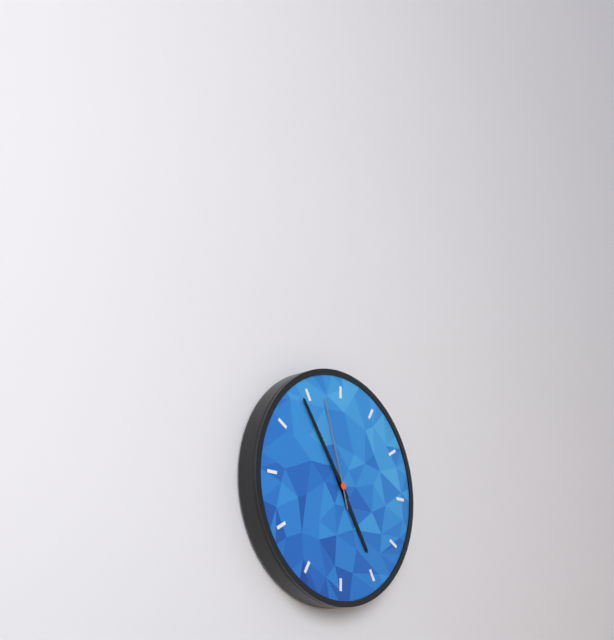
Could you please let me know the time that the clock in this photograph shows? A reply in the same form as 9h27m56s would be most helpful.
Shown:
4h54m57s
